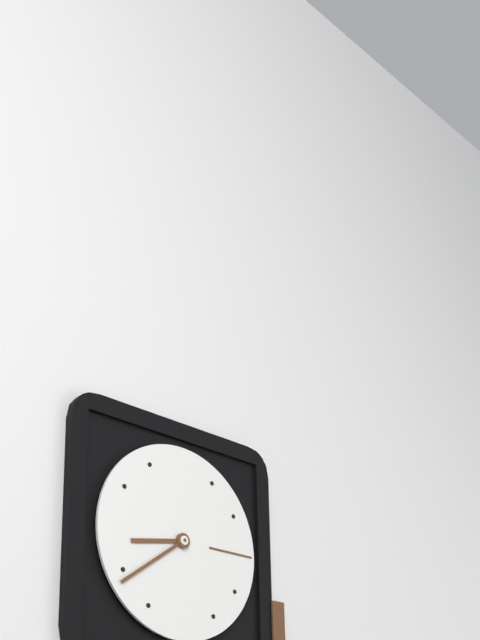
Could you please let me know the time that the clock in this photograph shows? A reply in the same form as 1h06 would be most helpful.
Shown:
8h39
